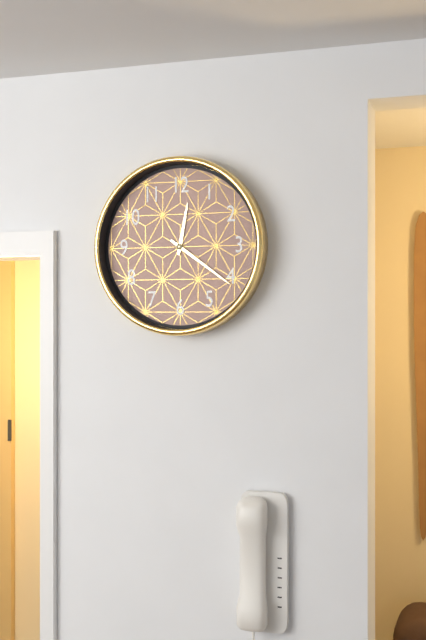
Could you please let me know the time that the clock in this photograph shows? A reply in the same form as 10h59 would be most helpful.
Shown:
12h21
